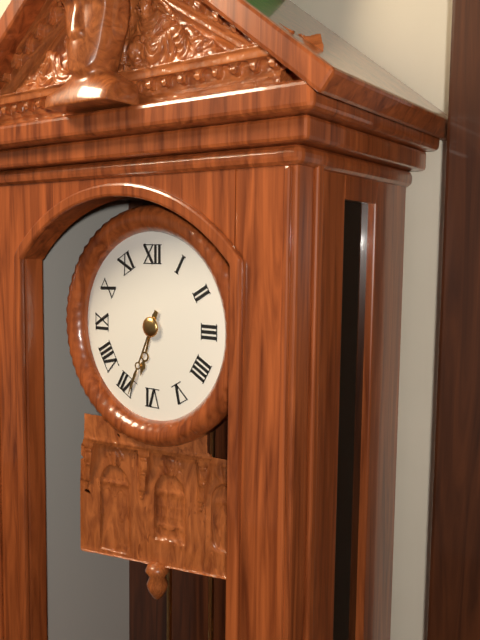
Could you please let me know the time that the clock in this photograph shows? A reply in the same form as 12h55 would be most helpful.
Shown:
6h34
